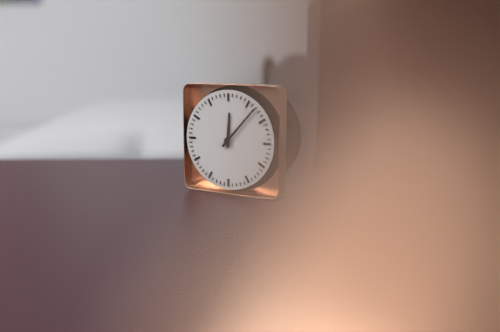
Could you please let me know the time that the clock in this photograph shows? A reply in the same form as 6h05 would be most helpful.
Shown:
12h07
